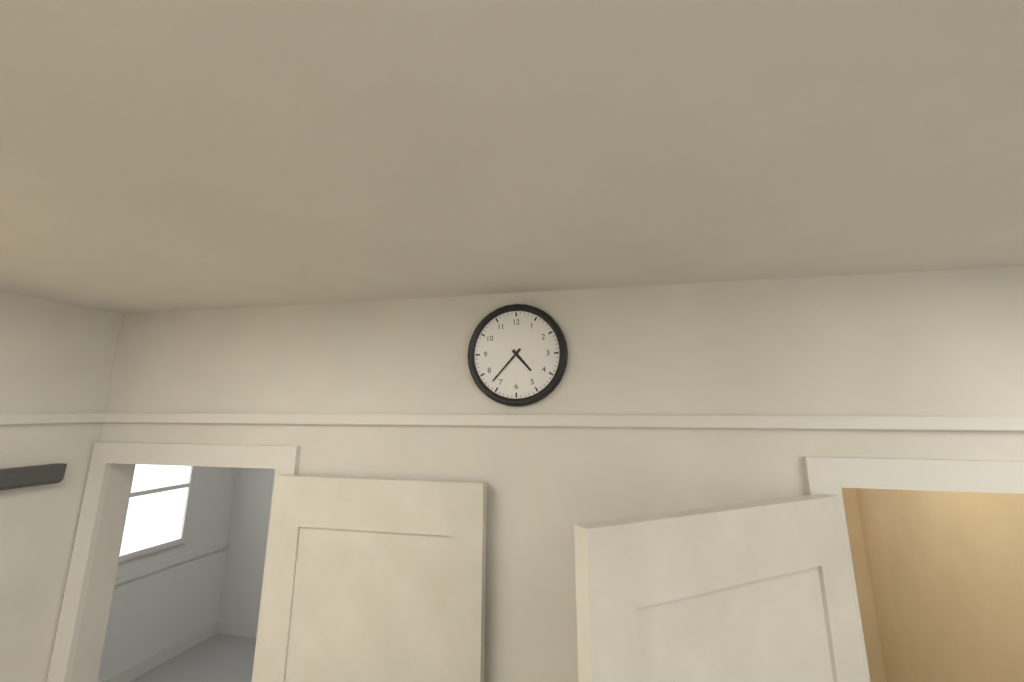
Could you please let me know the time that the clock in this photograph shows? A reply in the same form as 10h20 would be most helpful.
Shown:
4h37
